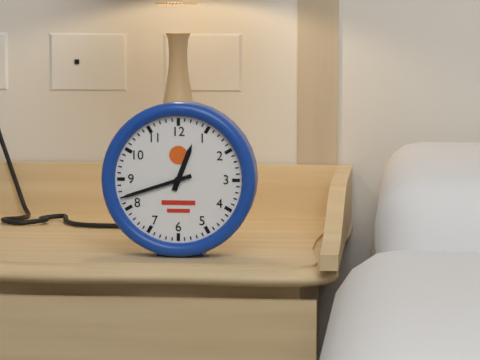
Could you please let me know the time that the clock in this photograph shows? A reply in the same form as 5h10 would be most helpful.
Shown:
12h42
